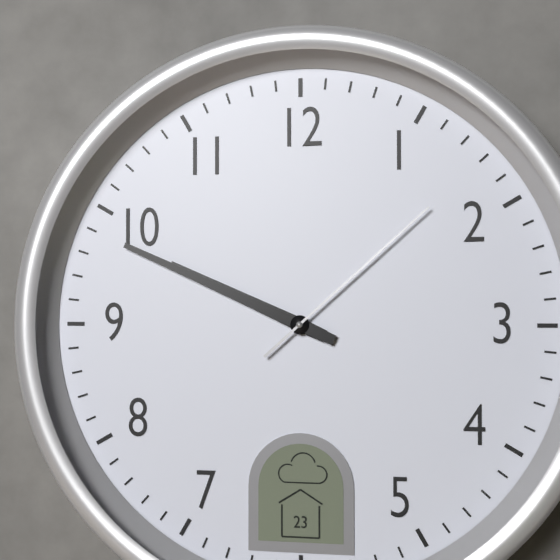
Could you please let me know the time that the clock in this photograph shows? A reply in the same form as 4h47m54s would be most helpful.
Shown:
9h49m08s
